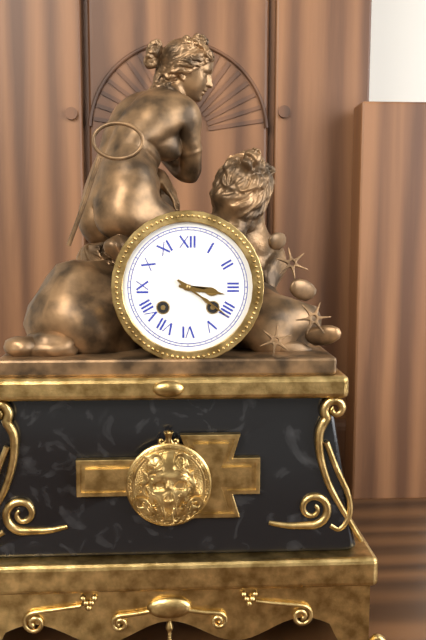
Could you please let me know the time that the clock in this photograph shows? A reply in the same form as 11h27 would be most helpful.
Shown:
3h21
